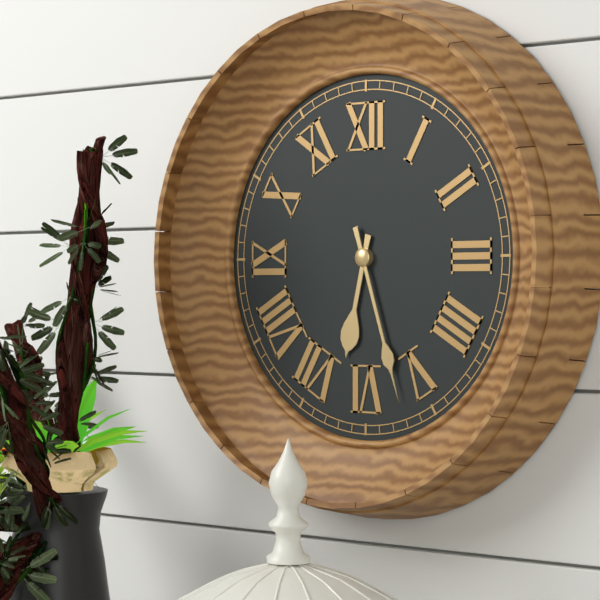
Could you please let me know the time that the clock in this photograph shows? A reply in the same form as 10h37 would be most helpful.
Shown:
6h27
